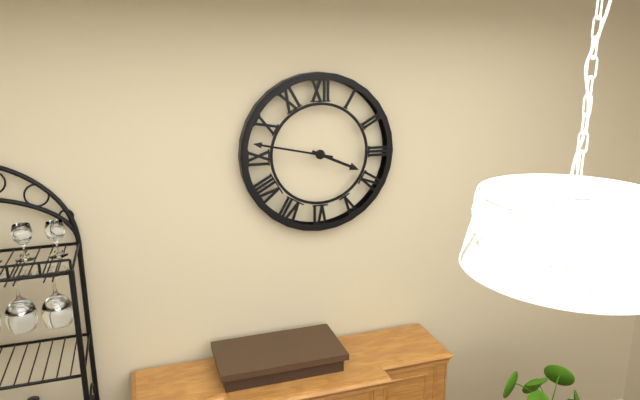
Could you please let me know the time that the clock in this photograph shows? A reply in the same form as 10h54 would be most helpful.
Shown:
3h47
